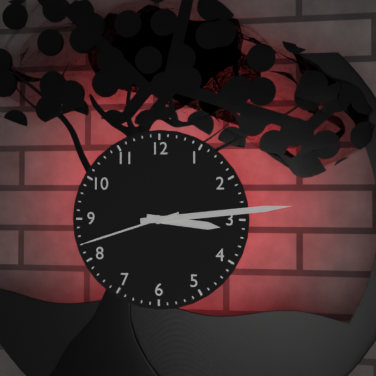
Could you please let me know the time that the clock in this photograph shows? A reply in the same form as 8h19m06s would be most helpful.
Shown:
3h14m42s
